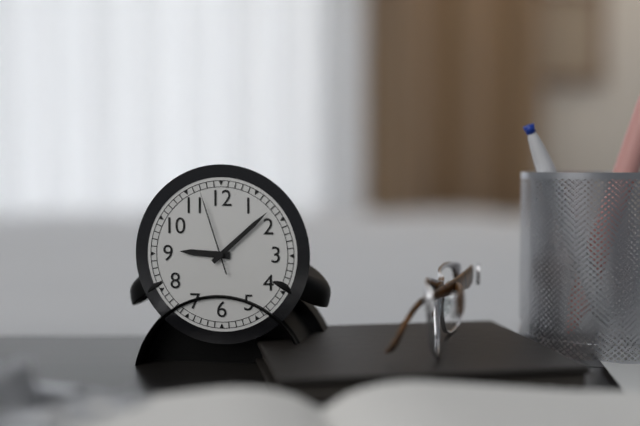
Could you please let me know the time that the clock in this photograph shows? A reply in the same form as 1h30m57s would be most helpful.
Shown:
9h08m57s
